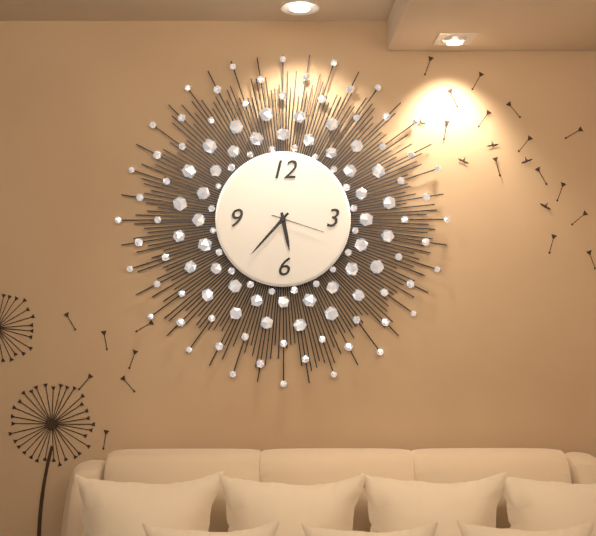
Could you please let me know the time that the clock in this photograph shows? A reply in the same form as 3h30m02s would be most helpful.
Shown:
5h37m18s
